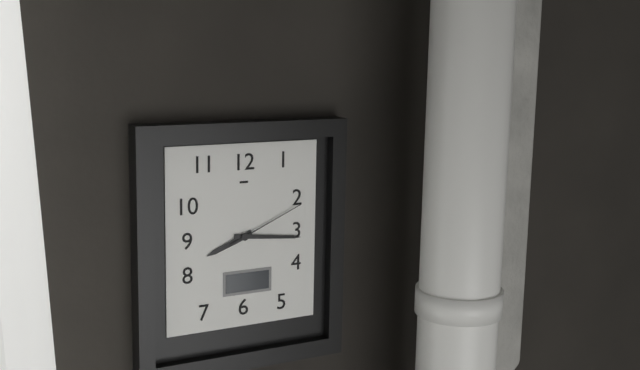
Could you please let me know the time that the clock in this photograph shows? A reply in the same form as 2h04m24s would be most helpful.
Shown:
8h16m11s
